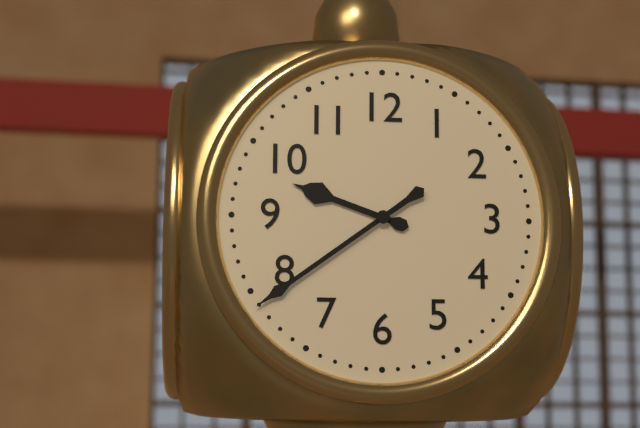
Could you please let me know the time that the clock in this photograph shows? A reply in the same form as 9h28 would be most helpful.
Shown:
9h39
